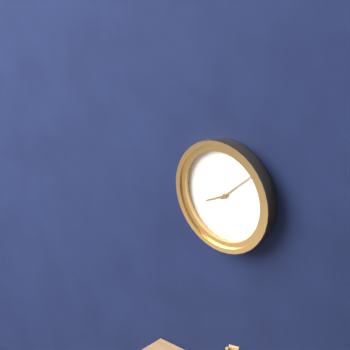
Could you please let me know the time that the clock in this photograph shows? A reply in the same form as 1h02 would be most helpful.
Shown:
8h08
